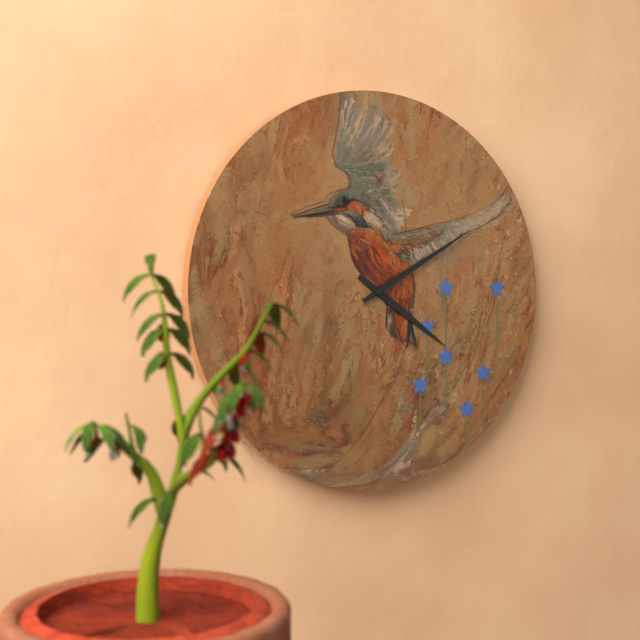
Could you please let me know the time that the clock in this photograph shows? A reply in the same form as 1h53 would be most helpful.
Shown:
4h10
